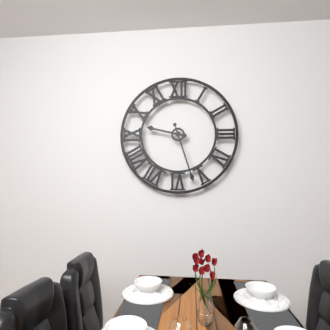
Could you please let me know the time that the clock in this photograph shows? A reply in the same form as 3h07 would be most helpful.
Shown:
9h27
